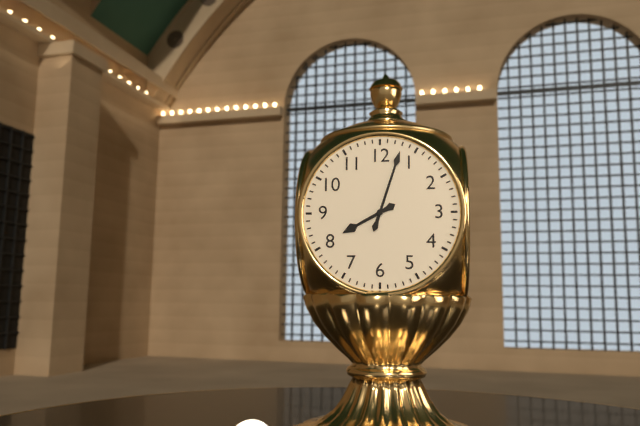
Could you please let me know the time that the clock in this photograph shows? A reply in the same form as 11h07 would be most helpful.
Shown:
8h03
